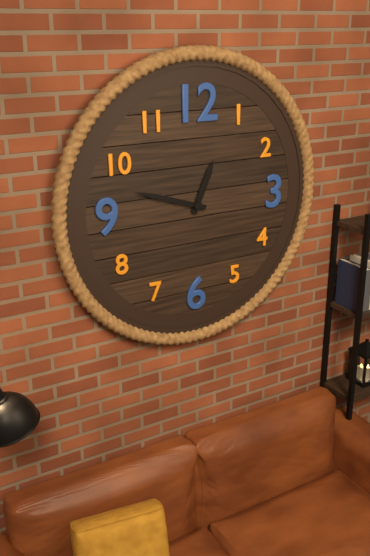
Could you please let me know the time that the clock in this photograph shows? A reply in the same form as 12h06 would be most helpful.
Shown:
12h48
